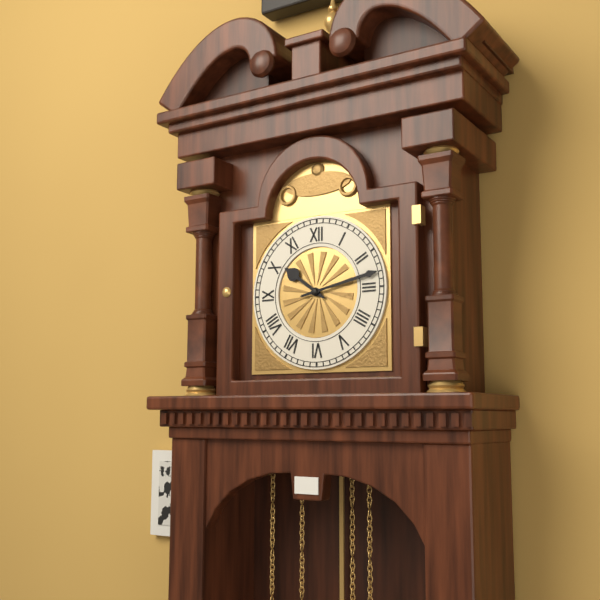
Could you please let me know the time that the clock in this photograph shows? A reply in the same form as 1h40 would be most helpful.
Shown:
10h13
